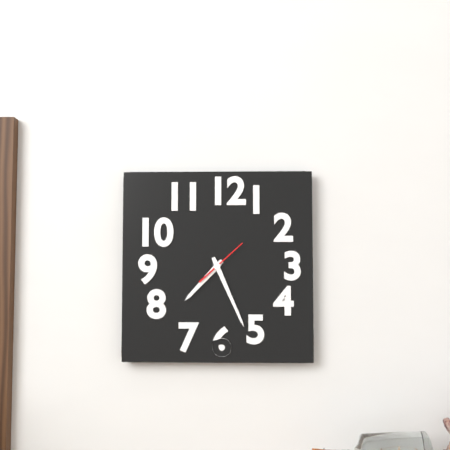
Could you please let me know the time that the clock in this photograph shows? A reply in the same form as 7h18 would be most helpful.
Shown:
7h26
